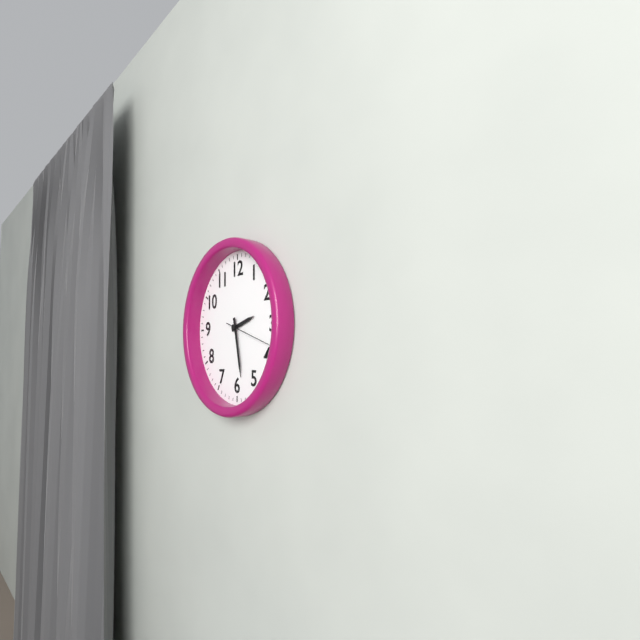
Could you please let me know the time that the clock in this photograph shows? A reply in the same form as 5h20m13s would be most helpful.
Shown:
2h28m18s
